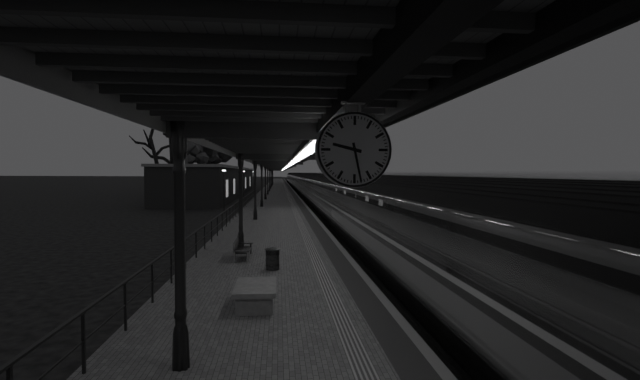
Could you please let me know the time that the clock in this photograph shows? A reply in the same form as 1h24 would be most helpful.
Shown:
9h28
